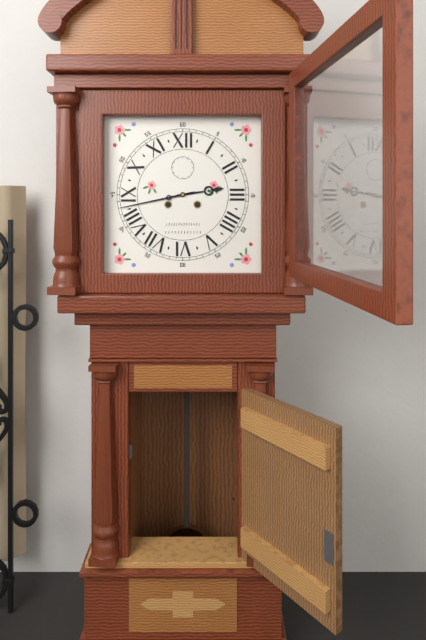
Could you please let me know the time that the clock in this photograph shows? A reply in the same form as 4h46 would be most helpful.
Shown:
2h43
